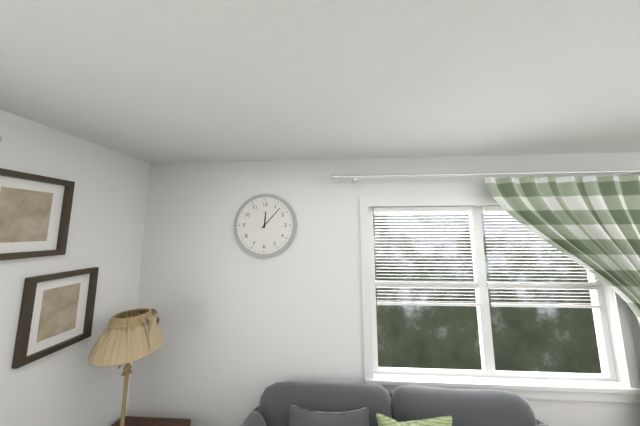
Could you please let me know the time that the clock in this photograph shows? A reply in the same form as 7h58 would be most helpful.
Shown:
12h07
